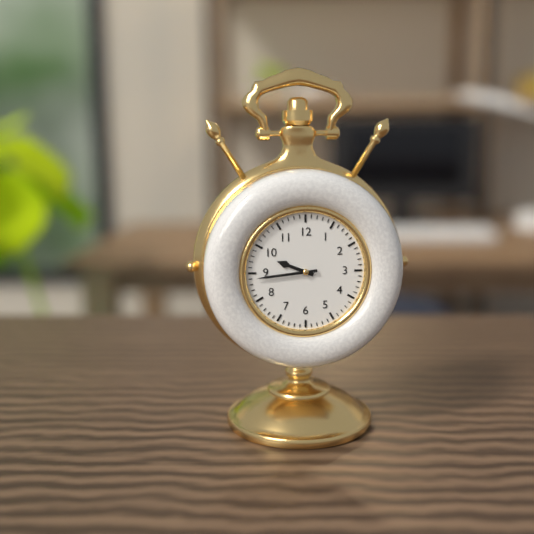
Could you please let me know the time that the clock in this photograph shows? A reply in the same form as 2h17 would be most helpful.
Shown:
9h44
